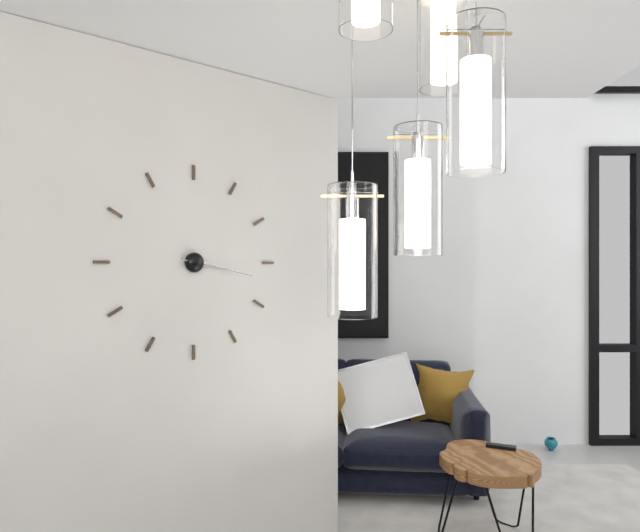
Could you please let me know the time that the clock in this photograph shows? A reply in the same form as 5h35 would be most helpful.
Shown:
3h17
